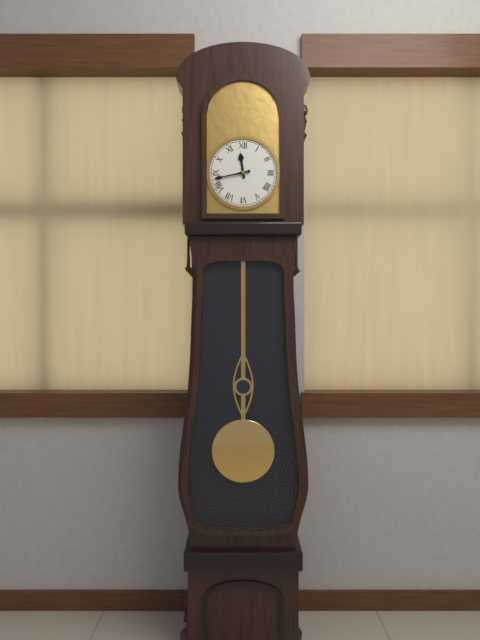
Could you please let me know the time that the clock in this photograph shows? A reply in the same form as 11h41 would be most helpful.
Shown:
11h43
